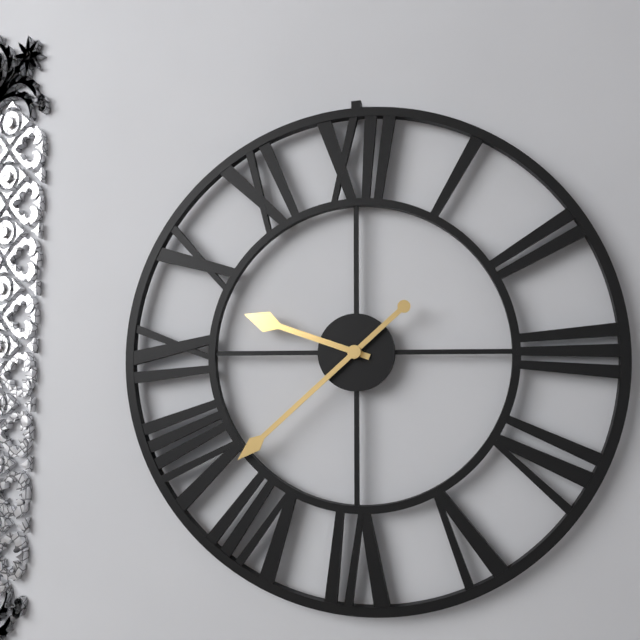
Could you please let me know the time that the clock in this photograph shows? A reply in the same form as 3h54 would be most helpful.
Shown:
9h38
